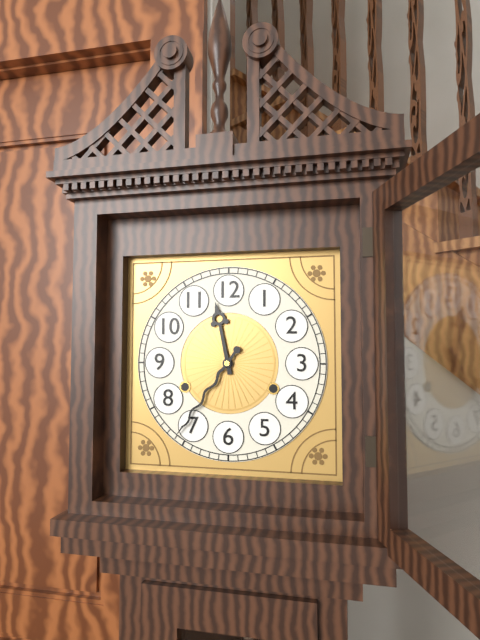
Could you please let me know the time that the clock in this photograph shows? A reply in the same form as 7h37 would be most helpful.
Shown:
11h36
